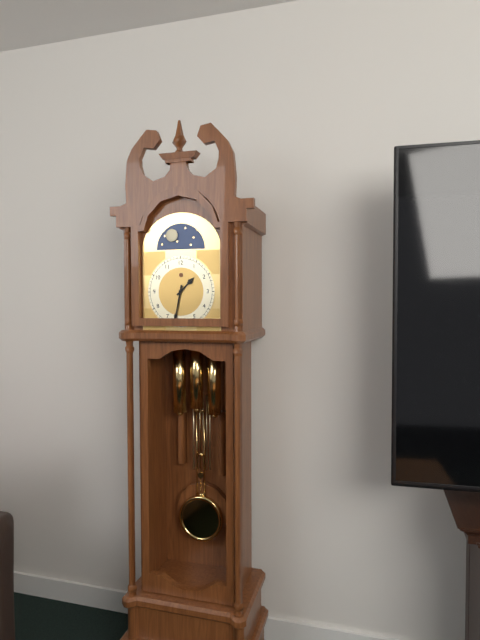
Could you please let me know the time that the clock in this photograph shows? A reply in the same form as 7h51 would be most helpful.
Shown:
1h32
